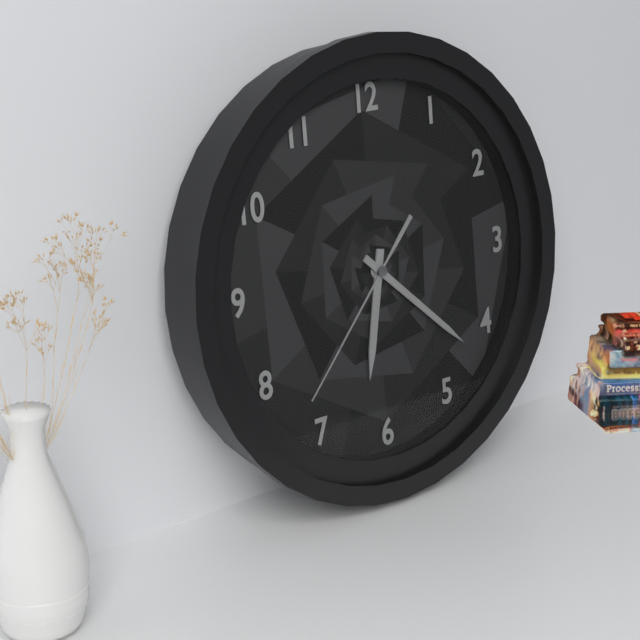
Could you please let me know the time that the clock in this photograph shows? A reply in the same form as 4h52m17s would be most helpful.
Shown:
6h22m37s
